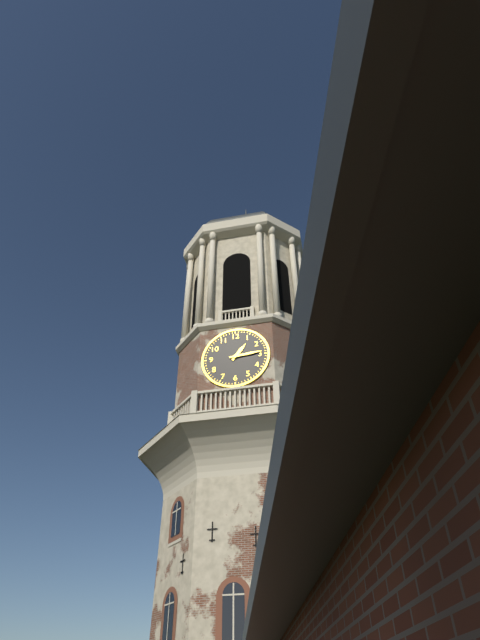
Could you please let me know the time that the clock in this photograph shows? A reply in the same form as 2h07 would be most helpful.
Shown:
1h14
